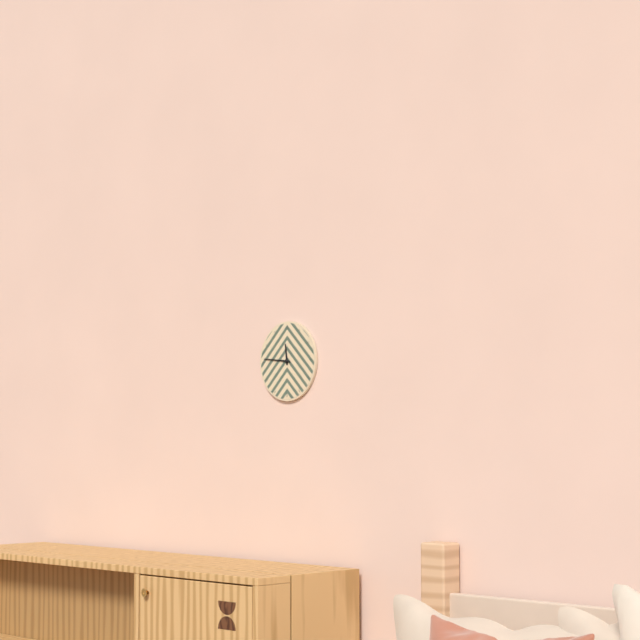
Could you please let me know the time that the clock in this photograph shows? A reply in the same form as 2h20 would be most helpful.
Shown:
11h46
